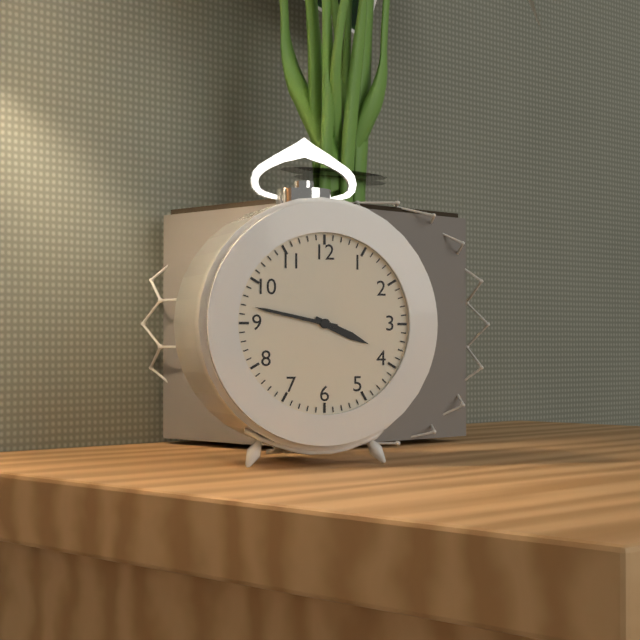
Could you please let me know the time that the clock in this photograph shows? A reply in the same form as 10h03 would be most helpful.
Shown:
3h47
